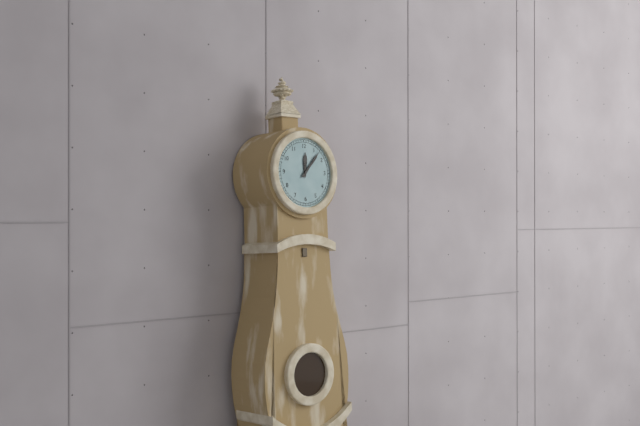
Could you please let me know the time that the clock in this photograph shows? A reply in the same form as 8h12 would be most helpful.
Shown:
12h07
